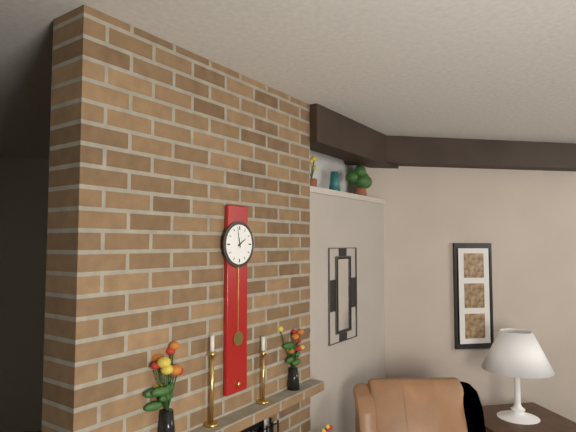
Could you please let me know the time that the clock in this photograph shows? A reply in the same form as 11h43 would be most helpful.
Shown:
1h58
